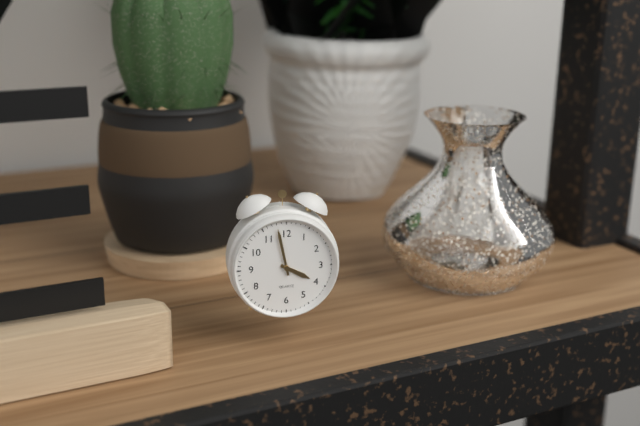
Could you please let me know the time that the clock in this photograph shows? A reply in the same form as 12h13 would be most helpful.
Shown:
3h58
